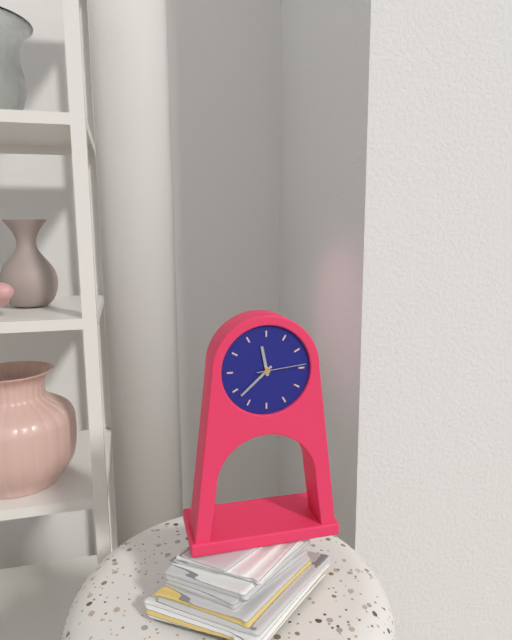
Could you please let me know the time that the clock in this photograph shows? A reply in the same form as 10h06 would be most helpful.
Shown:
11h38
